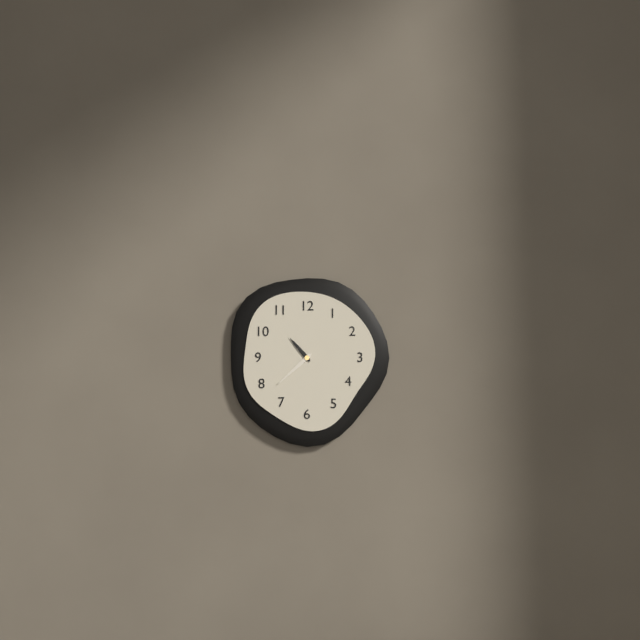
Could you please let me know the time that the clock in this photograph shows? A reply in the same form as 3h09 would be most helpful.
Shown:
10h38
